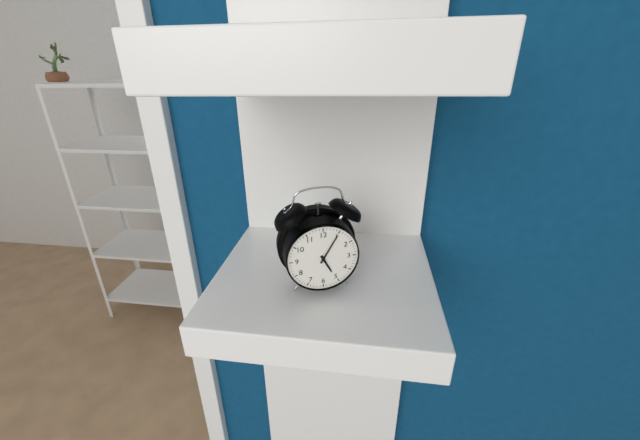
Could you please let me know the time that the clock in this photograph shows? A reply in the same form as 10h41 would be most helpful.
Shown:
5h05
